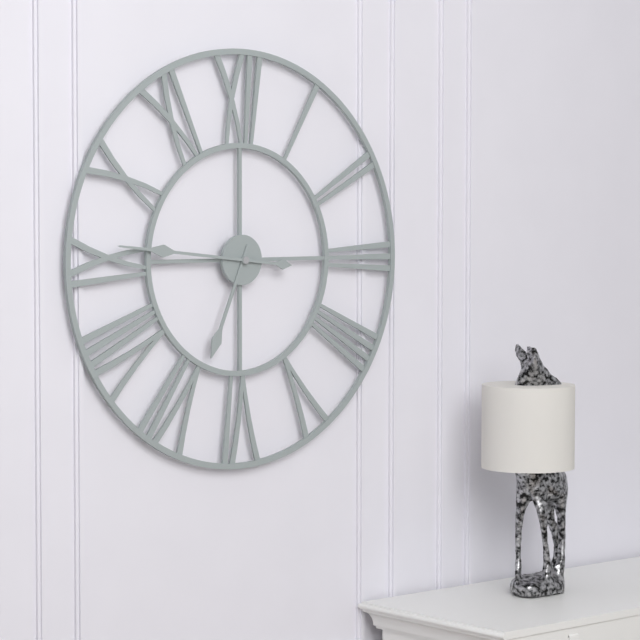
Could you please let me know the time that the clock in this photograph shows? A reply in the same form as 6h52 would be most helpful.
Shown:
6h46
